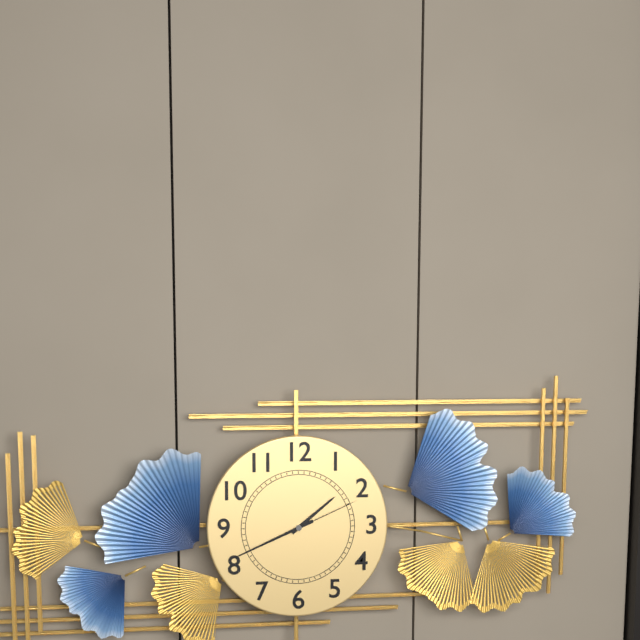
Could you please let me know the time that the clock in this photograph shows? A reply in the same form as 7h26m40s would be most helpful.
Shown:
1h41m11s
